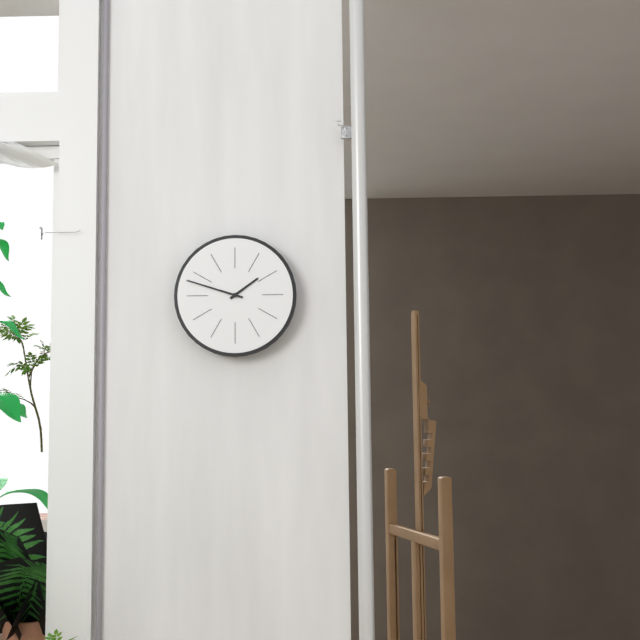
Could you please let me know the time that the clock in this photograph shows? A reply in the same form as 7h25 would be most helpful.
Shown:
1h48
